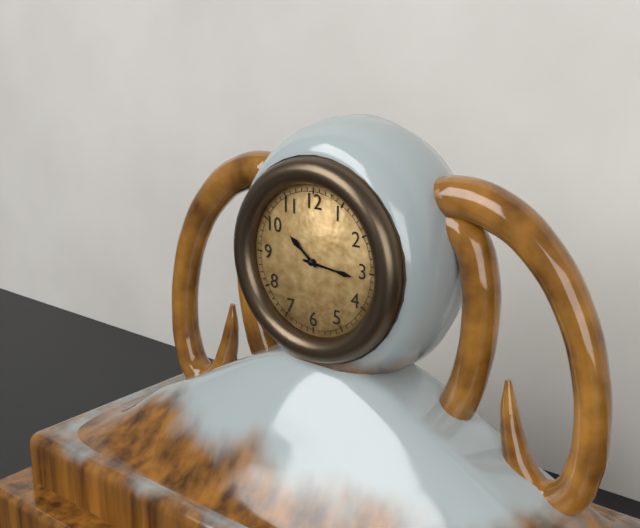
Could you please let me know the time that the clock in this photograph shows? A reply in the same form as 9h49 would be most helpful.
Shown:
10h16
